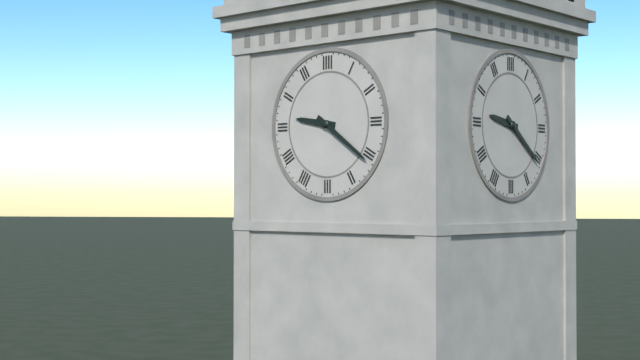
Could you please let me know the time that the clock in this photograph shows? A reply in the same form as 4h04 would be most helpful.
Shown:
9h21
